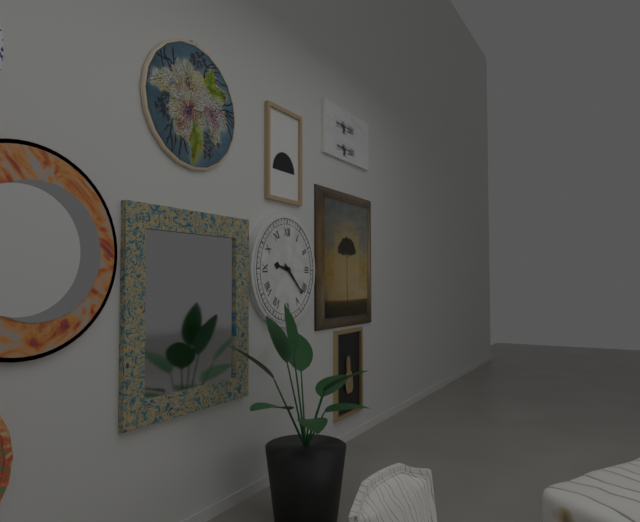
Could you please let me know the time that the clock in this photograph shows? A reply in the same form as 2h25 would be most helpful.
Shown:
9h22
